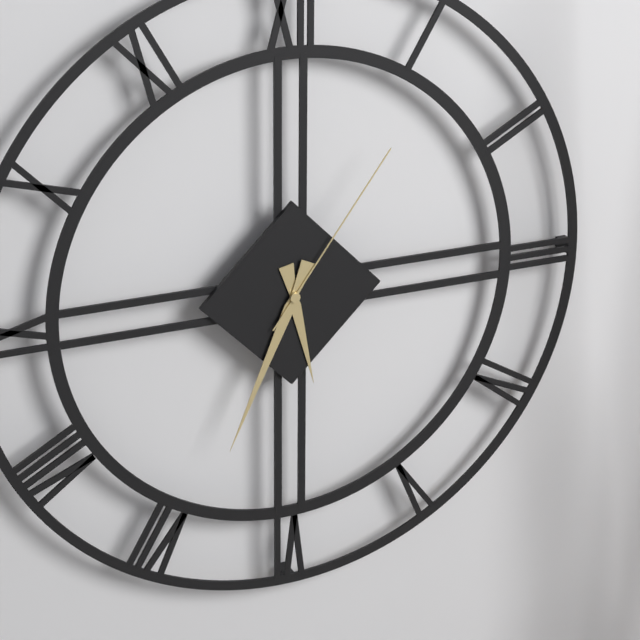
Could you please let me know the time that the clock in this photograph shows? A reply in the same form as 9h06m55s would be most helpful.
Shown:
5h34m06s
